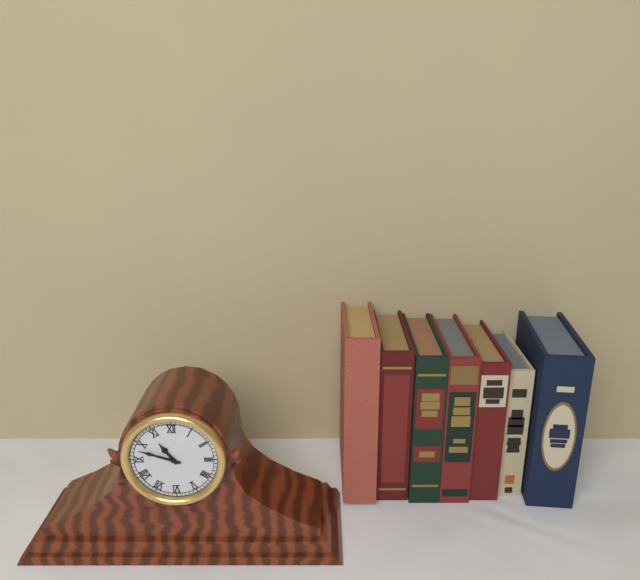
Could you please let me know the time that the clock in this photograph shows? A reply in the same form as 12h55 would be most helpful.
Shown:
10h48
